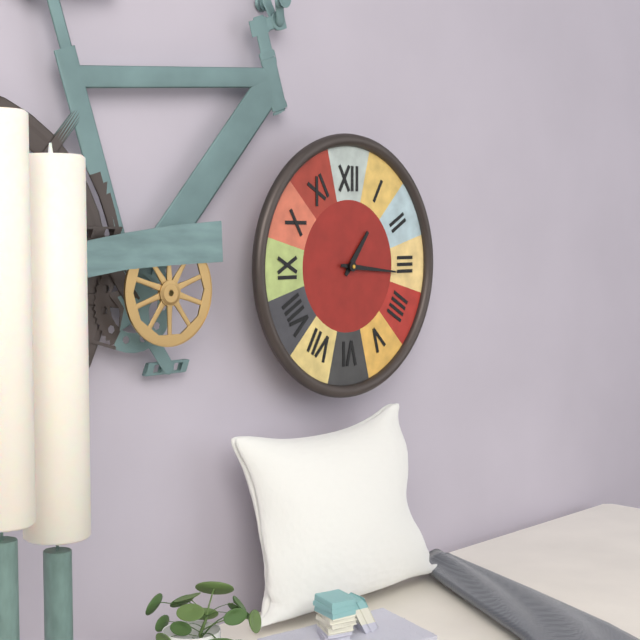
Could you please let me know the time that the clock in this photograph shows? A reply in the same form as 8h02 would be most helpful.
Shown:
1h16
